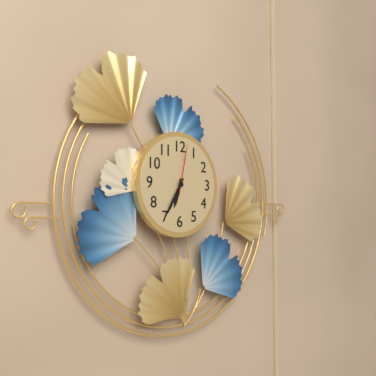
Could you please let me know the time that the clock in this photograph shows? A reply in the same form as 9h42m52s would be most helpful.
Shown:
6h35m02s
